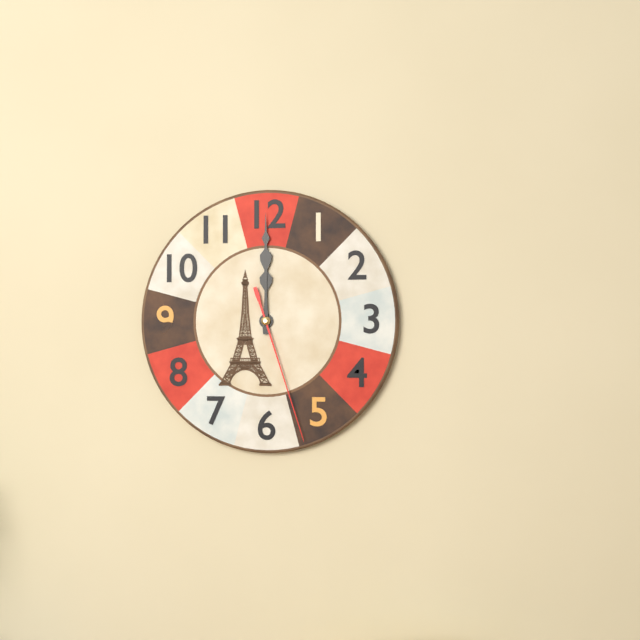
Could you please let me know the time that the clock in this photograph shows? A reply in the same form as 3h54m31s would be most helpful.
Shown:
12h00m27s
